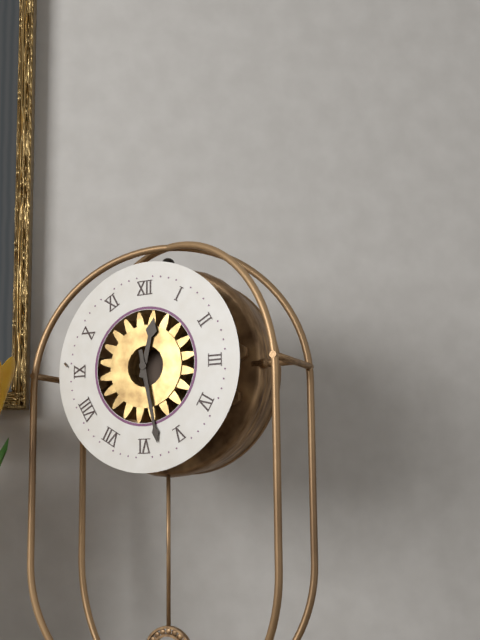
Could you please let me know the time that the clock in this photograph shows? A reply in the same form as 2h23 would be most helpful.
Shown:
12h28
